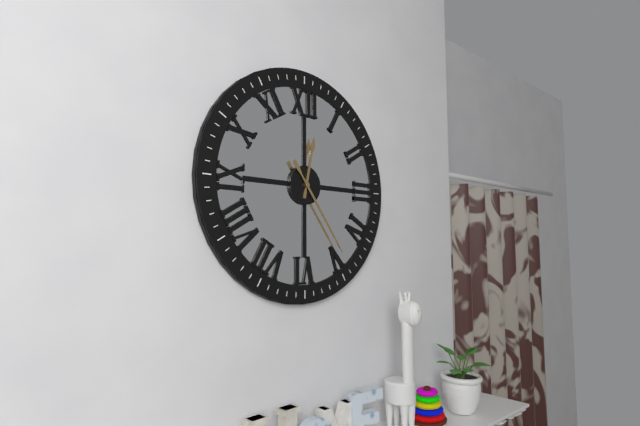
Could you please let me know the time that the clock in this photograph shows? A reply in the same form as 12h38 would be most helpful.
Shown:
12h24
